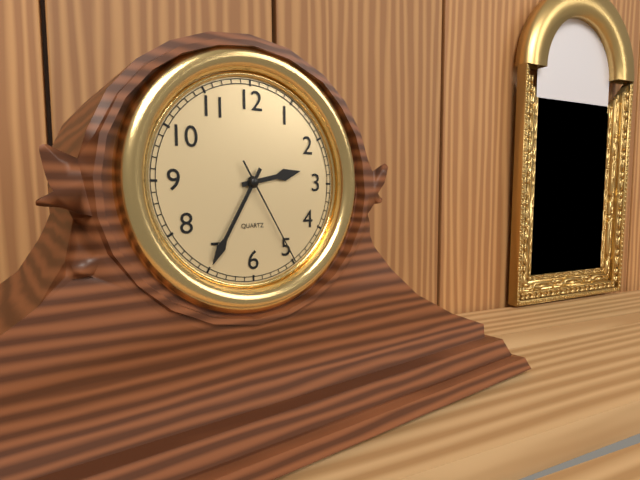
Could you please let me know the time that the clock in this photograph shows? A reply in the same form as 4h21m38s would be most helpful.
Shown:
2h35m25s
